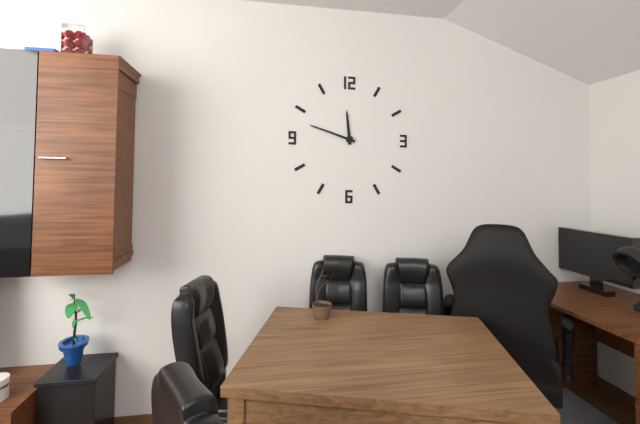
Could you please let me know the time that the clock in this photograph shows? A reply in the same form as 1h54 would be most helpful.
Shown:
11h48
